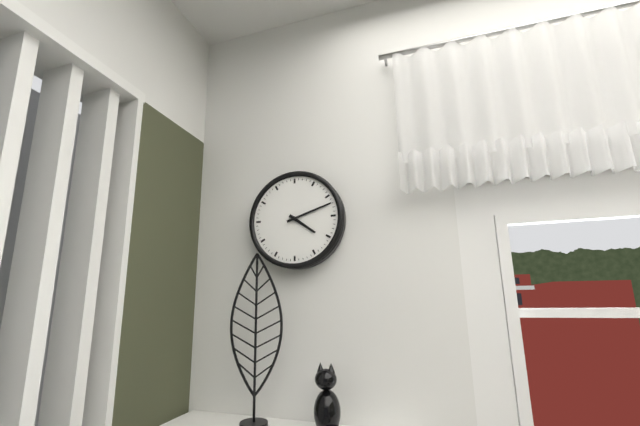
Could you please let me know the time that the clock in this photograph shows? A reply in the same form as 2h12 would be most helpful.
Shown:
4h12
